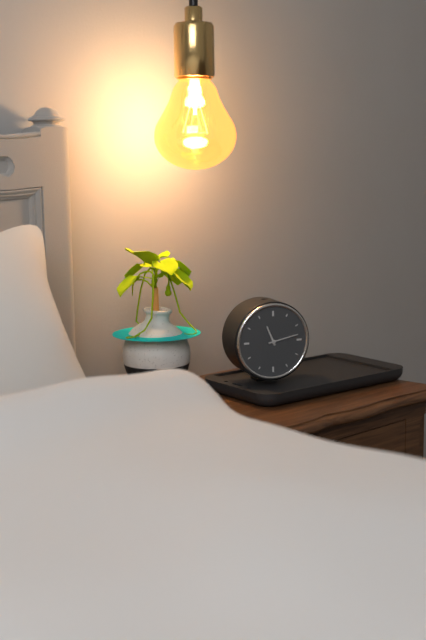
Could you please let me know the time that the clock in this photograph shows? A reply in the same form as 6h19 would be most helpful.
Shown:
11h13
